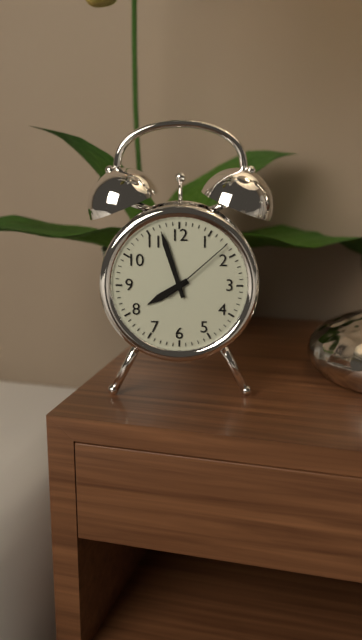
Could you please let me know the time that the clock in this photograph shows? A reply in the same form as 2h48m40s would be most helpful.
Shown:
7h57m08s
